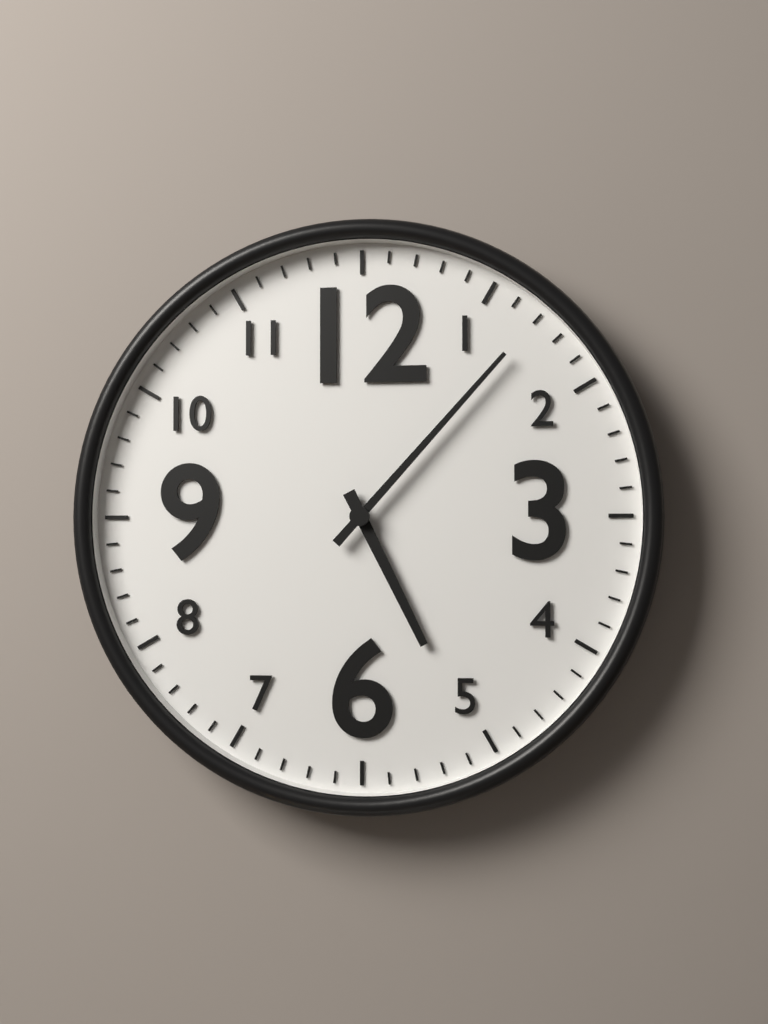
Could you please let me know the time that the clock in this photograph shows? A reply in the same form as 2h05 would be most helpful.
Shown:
5h07
